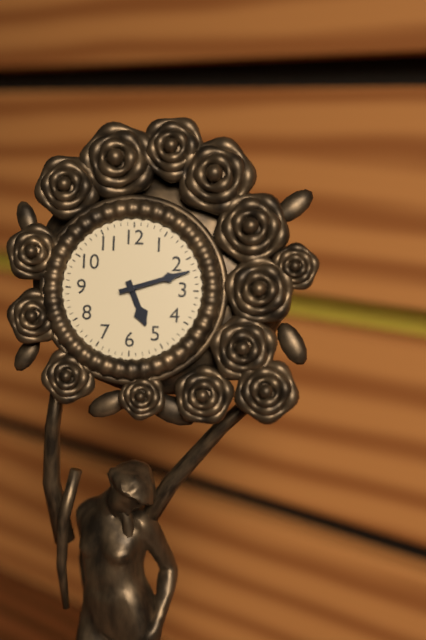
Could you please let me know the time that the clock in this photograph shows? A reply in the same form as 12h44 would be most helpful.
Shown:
5h12
